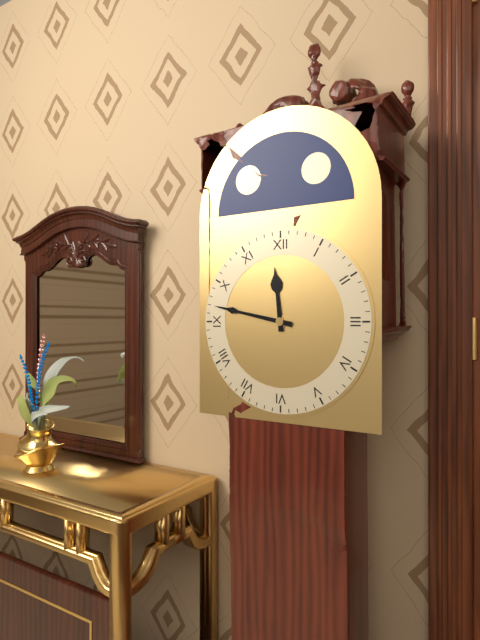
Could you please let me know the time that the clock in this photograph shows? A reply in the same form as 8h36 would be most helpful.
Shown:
11h47
